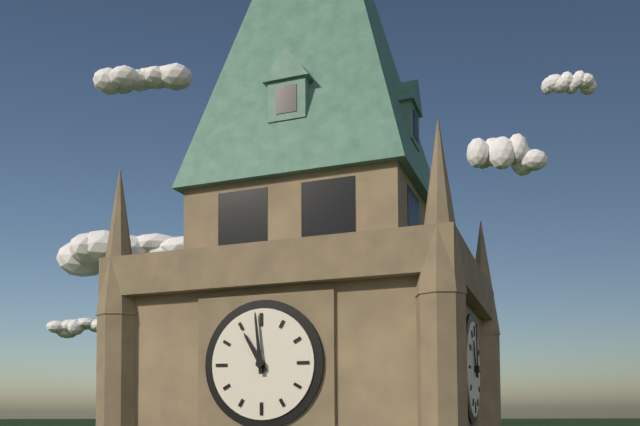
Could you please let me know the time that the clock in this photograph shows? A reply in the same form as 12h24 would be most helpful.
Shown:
10h59
